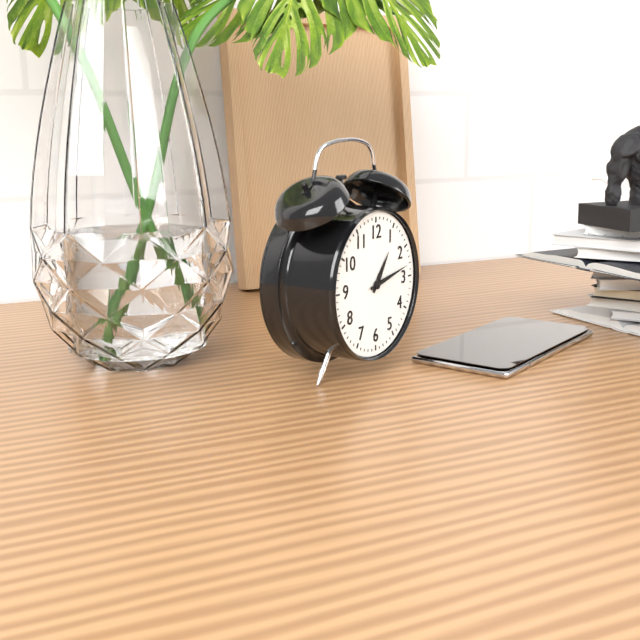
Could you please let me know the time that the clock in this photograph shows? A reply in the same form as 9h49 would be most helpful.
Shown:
1h13
